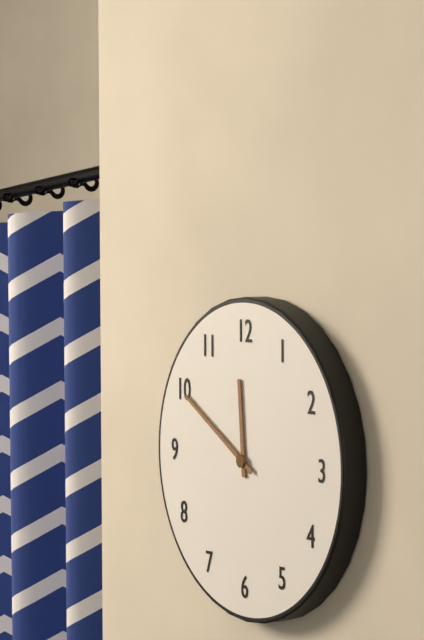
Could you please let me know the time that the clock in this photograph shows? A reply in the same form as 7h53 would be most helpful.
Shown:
11h50
